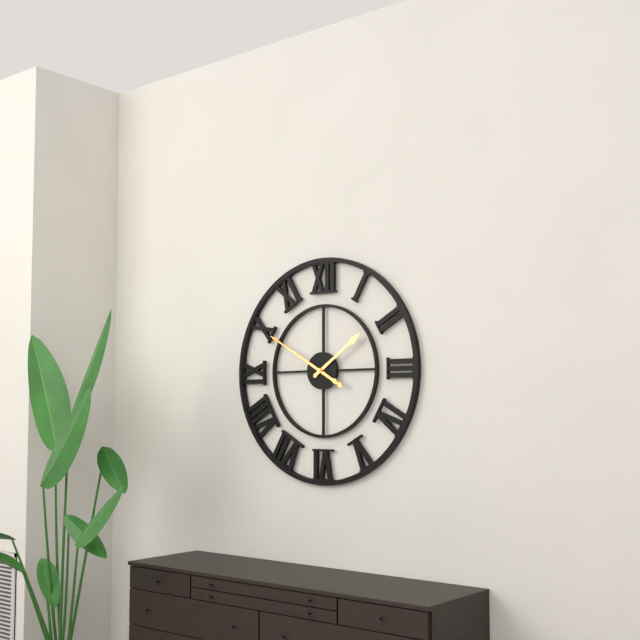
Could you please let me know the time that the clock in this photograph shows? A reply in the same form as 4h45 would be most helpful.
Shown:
1h50
